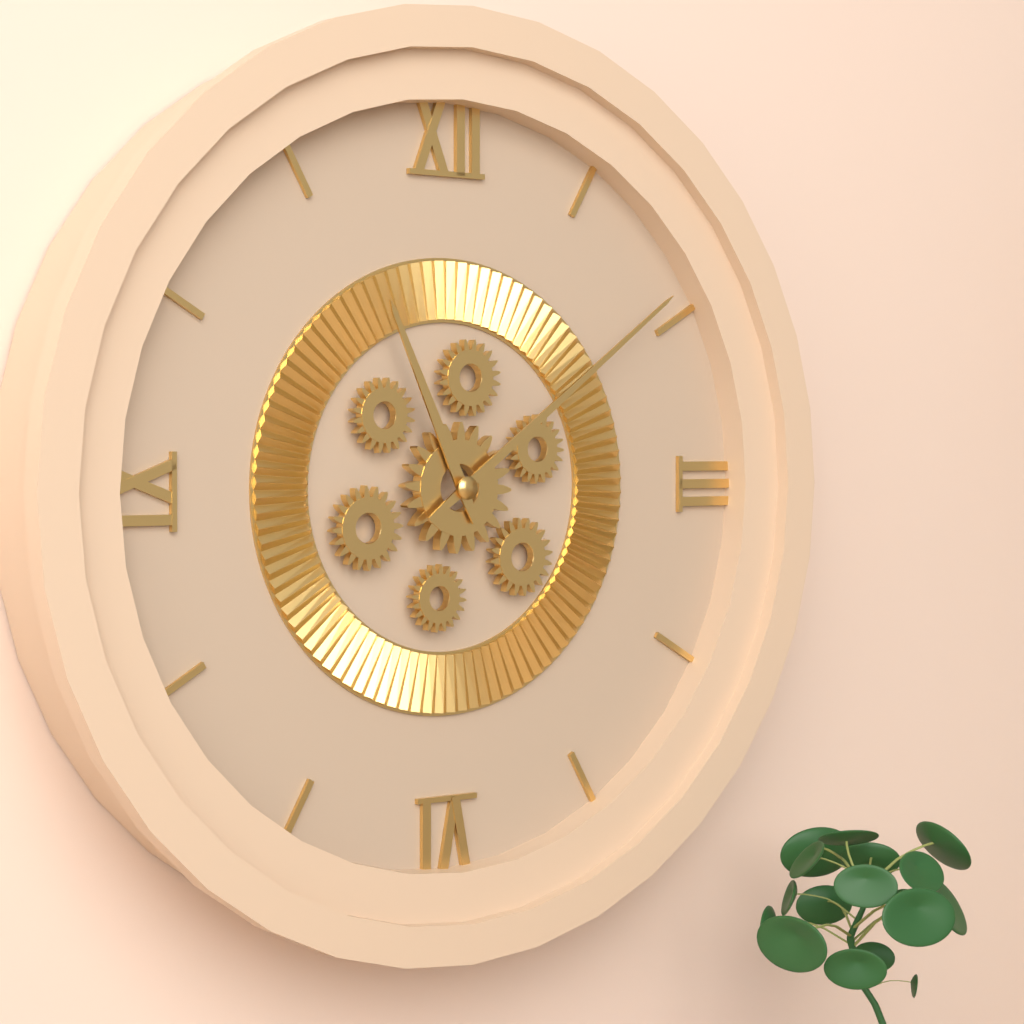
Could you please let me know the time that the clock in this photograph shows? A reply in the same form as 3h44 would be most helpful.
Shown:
11h09
